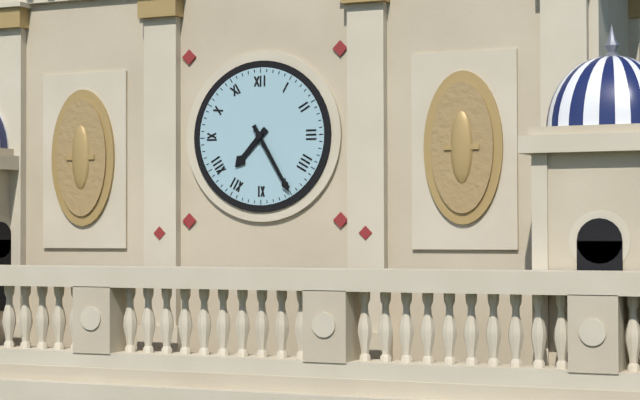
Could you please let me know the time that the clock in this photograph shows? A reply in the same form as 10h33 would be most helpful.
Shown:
7h25
